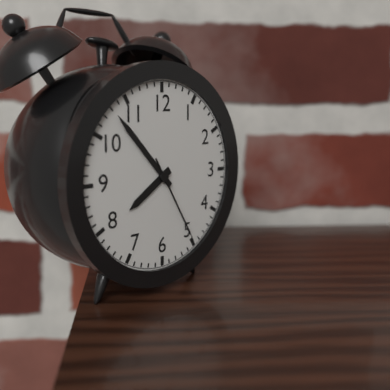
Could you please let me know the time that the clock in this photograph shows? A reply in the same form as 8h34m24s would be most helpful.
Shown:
7h53m25s
